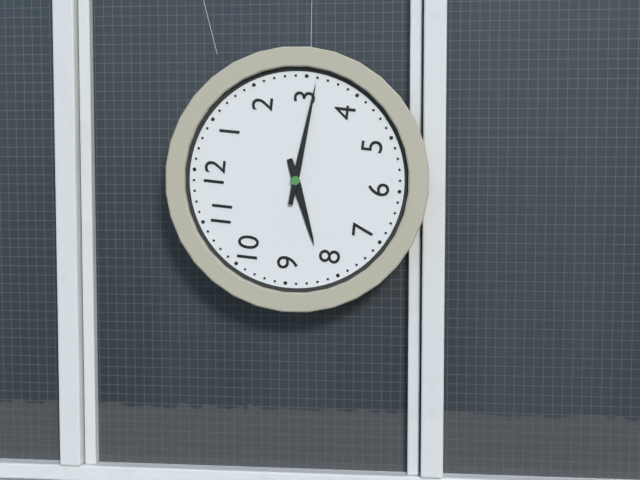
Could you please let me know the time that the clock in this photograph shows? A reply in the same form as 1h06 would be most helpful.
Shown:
8h16
